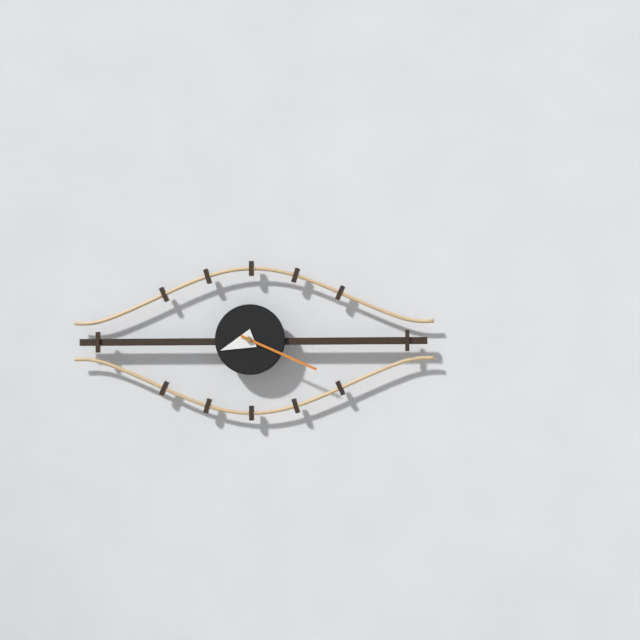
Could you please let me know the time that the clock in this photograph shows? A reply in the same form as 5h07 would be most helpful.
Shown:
8h19
